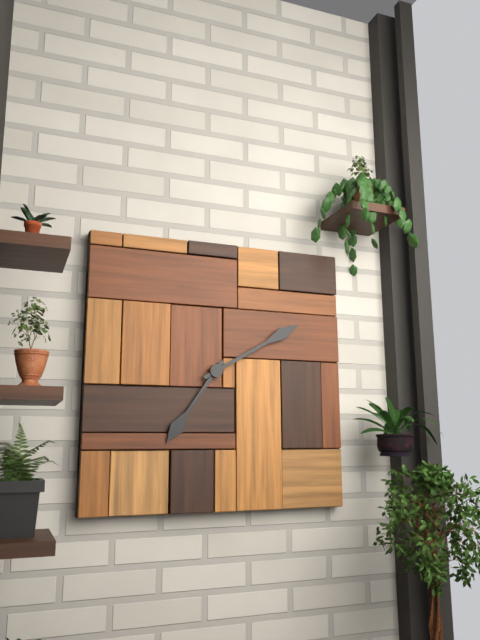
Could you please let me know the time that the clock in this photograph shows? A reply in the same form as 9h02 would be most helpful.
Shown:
7h10
